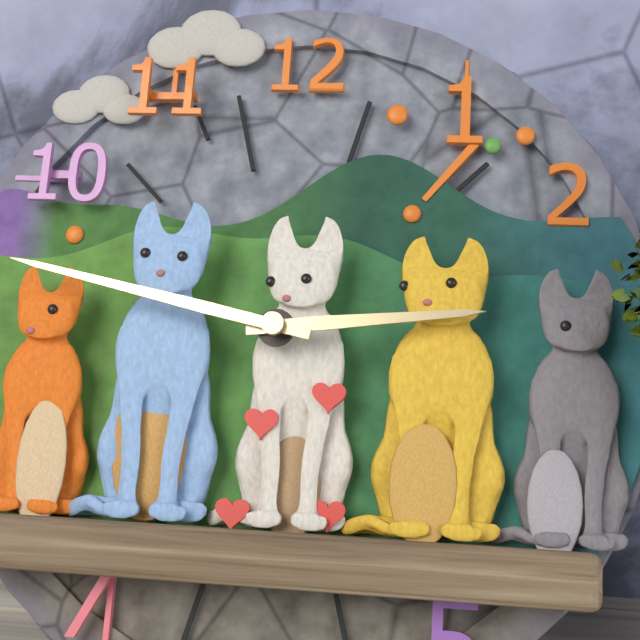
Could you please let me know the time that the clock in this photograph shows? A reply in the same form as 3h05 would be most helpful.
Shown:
2h47
